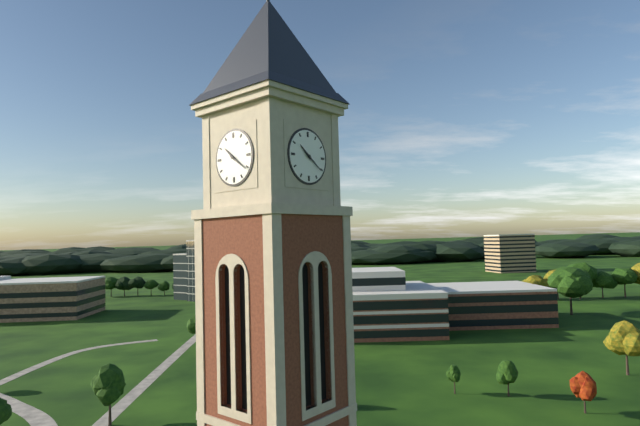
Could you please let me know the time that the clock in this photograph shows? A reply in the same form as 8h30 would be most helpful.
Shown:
10h21
